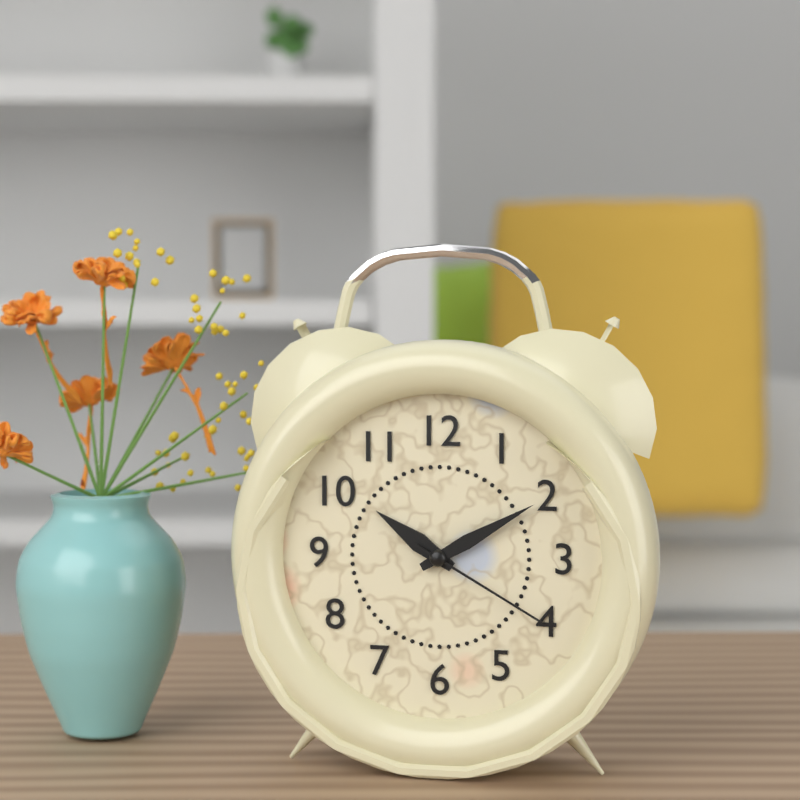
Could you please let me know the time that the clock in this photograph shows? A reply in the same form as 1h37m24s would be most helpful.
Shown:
10h10m20s
